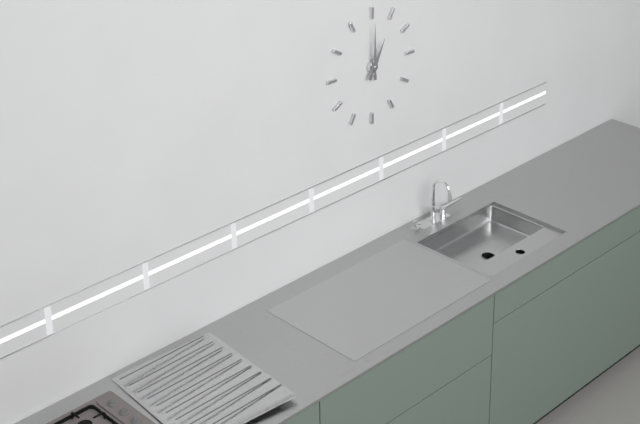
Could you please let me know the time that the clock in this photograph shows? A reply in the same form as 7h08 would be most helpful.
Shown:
1h00
